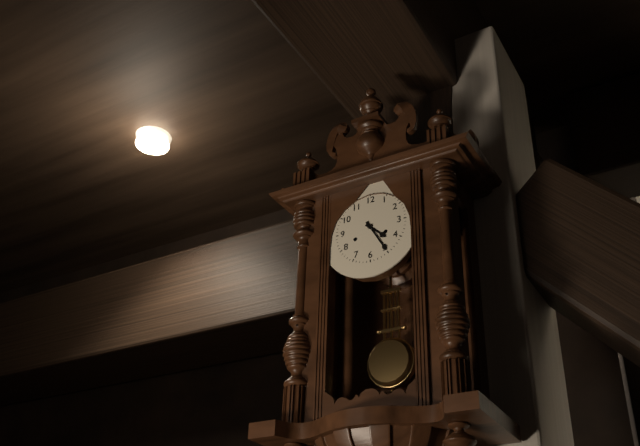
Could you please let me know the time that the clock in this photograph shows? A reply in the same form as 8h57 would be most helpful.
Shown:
4h25
